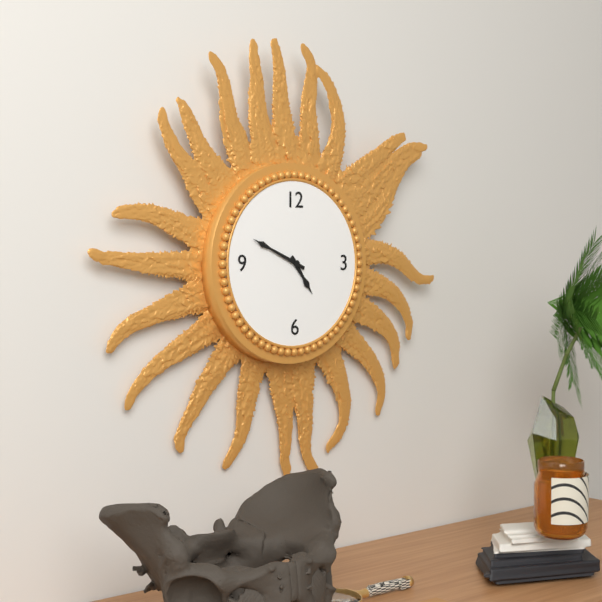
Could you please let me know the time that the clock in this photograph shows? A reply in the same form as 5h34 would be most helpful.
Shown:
4h49
